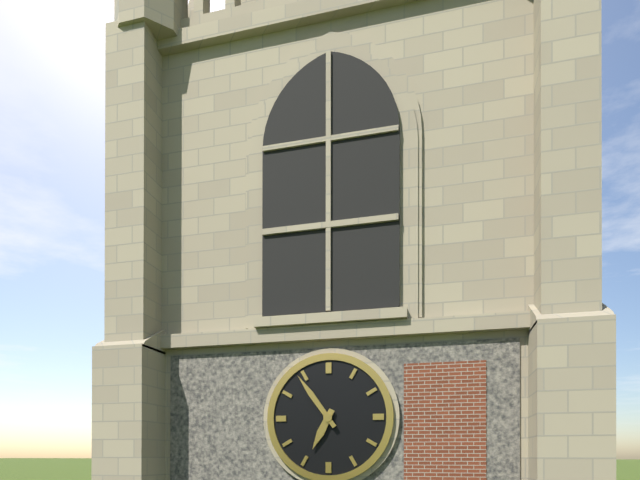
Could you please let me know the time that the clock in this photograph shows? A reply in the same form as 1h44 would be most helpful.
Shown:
6h54
